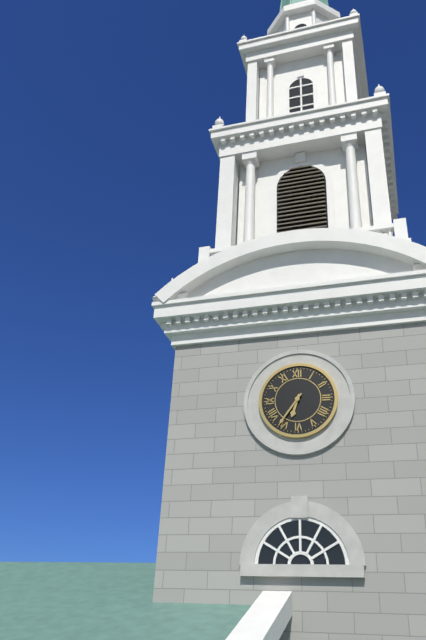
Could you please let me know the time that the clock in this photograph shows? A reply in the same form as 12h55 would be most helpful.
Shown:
6h36
